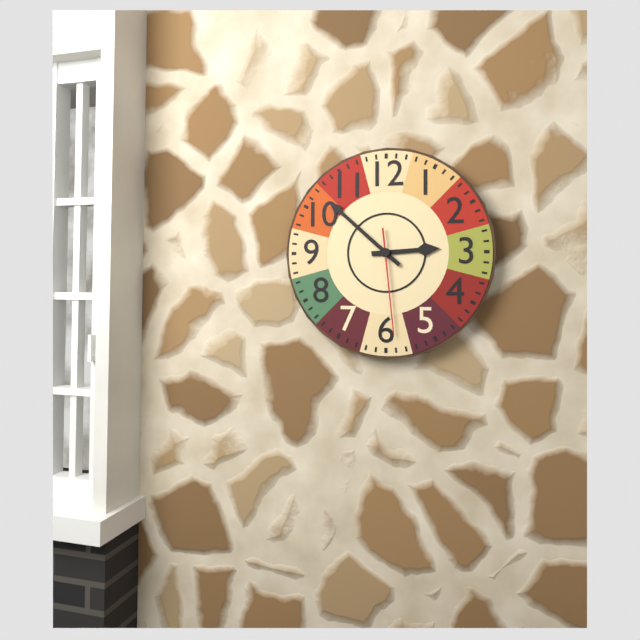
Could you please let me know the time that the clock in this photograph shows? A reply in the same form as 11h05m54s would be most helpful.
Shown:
2h52m29s
